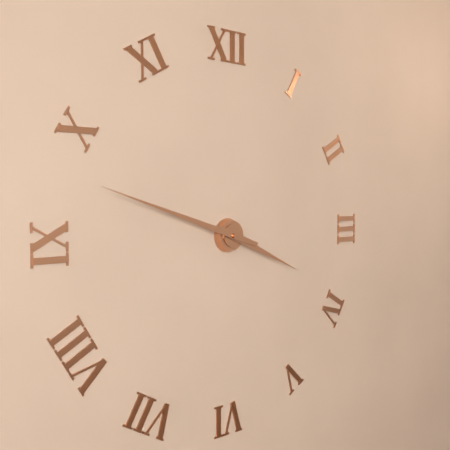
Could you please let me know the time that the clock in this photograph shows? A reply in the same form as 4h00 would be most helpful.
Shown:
3h48
